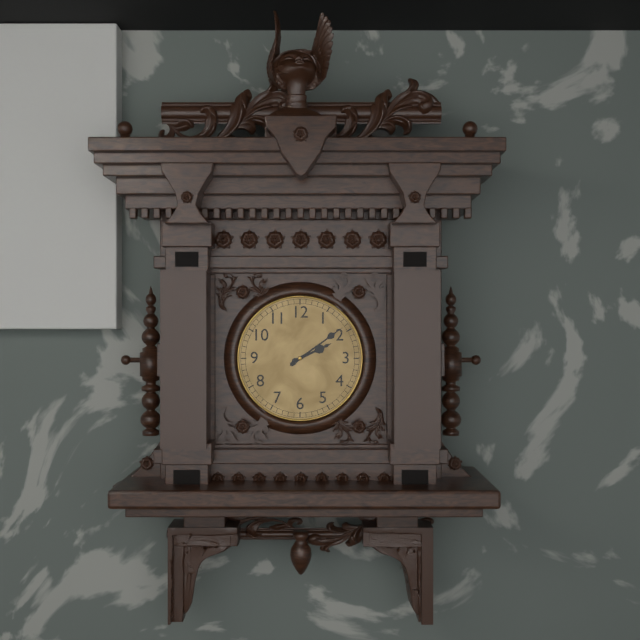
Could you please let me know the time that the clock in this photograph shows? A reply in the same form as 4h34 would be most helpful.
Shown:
2h09
